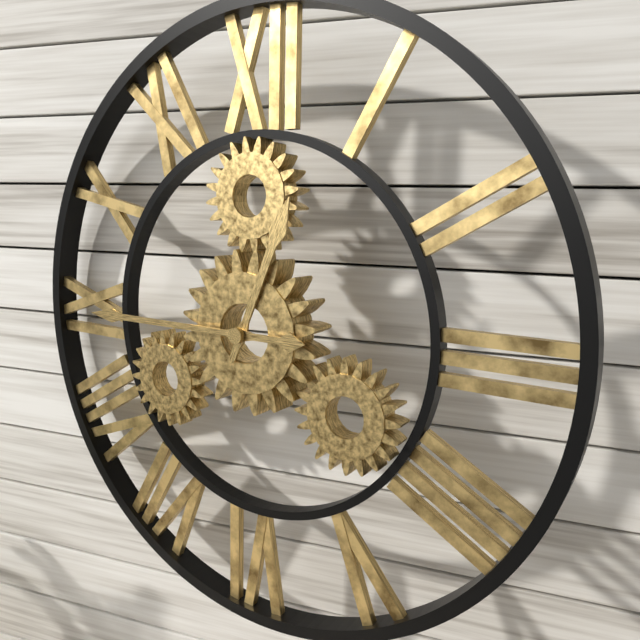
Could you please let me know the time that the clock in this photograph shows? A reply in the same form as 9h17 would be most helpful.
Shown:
12h45
